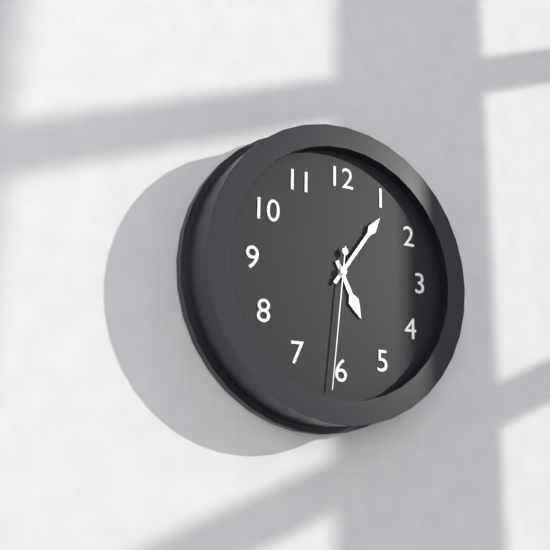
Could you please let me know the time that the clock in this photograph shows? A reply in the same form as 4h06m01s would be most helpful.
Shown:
5h06m31s
